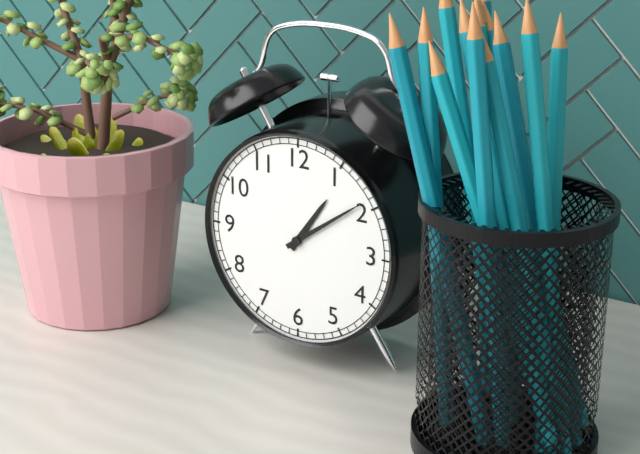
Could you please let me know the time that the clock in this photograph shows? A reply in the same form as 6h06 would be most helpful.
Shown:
1h09
